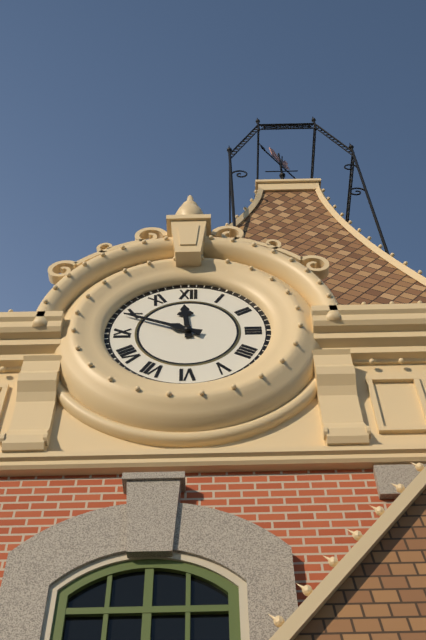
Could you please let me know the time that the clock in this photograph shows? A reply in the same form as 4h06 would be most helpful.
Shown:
11h49
